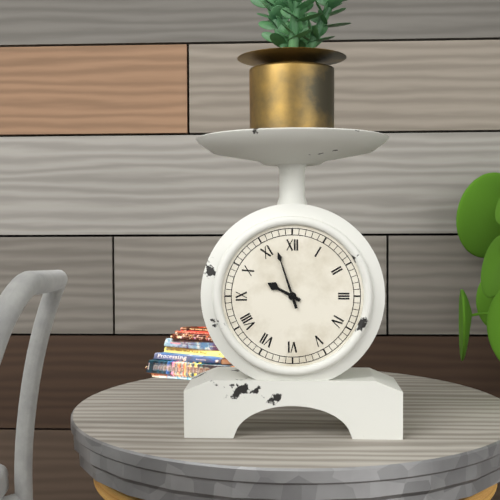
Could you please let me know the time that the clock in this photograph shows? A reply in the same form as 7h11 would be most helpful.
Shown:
9h57
